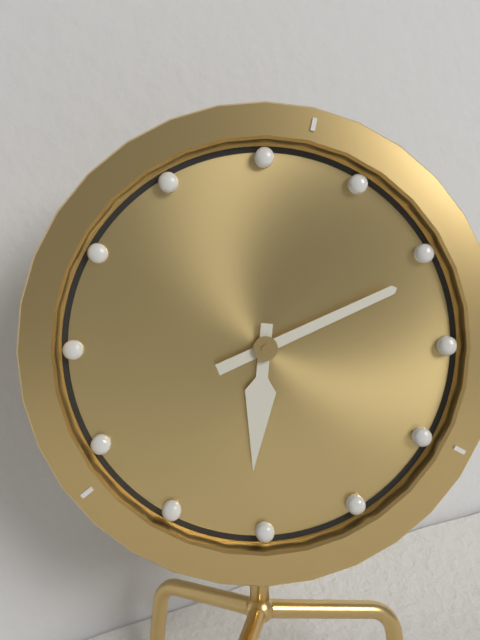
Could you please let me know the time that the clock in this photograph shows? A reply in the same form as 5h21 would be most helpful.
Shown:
6h11
